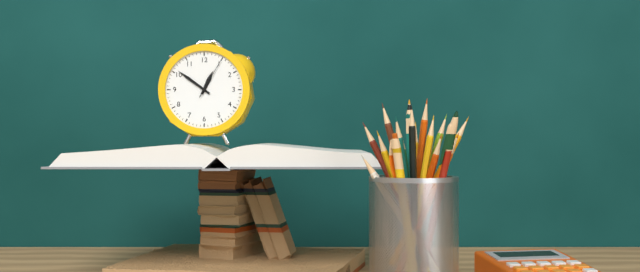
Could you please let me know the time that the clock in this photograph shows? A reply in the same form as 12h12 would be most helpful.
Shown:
12h51
